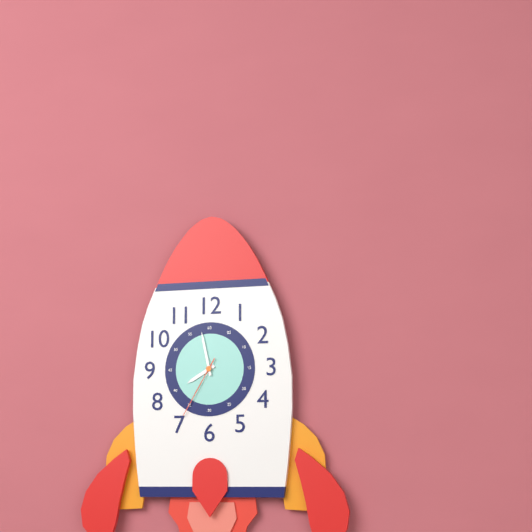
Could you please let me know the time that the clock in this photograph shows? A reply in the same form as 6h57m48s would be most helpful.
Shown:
7h58m35s
